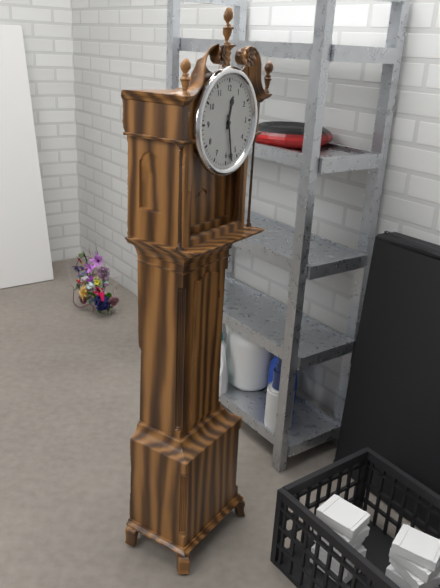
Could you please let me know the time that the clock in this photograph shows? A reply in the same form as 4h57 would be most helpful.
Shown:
12h28
